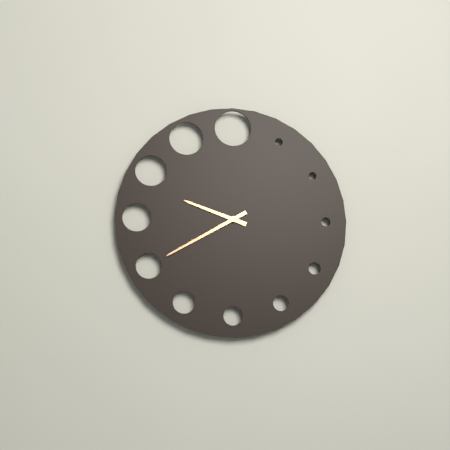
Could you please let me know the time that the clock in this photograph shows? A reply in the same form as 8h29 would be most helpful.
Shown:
9h40
